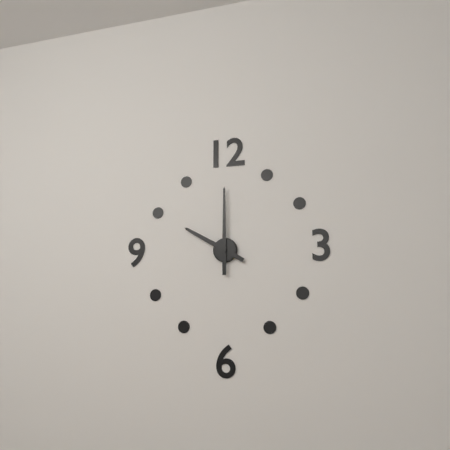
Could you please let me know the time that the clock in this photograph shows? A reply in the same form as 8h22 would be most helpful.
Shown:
10h00
